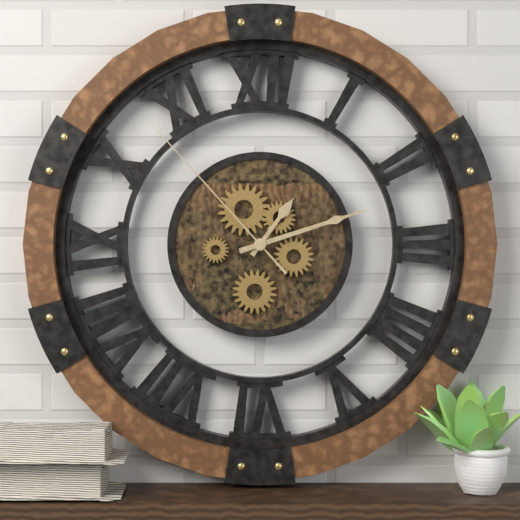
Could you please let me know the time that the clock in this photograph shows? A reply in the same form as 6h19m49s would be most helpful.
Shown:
1h12m53s
